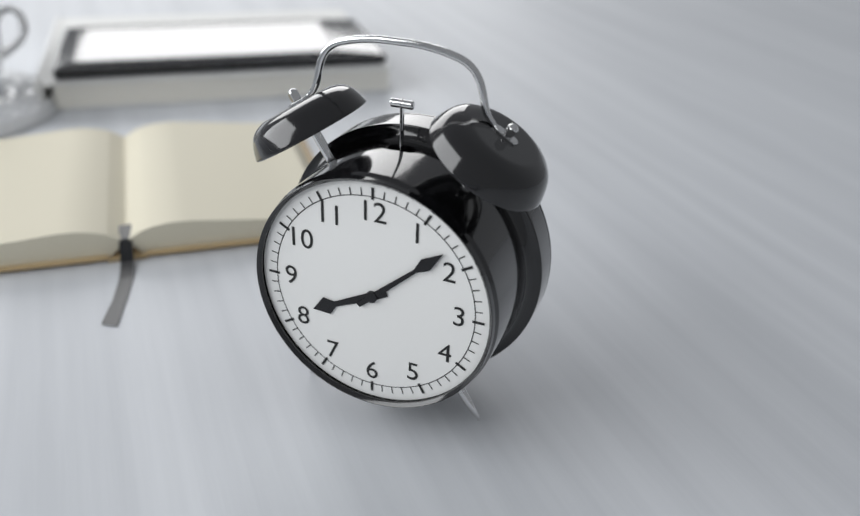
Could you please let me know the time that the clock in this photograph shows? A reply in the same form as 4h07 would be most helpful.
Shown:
8h08
